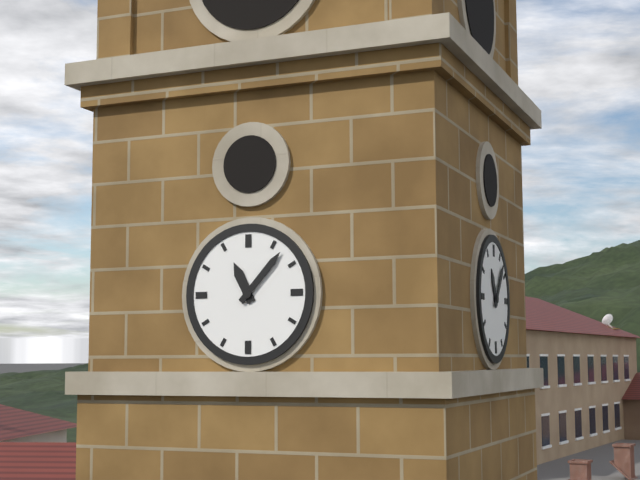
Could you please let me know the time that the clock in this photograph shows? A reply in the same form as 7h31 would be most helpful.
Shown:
11h07
